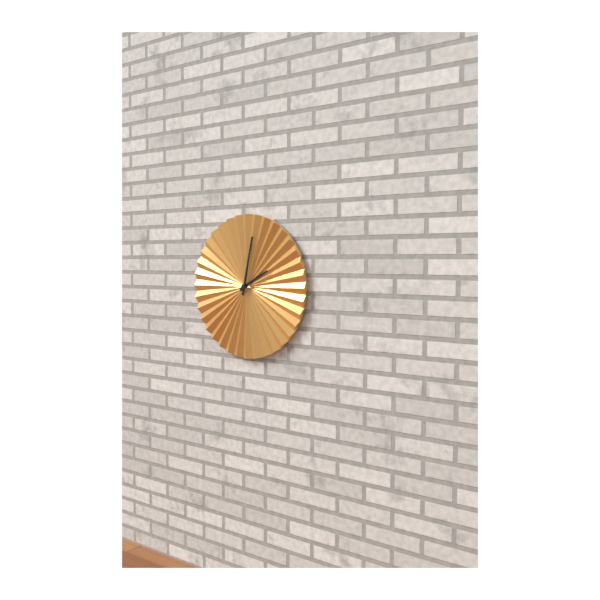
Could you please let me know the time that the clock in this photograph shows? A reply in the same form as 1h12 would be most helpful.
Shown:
2h02
